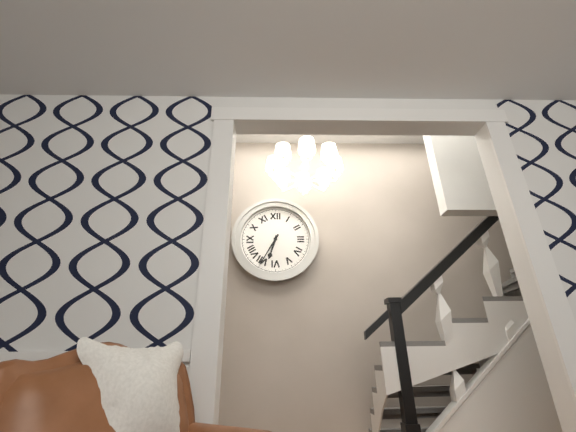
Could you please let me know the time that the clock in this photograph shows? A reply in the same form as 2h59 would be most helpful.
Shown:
6h35
